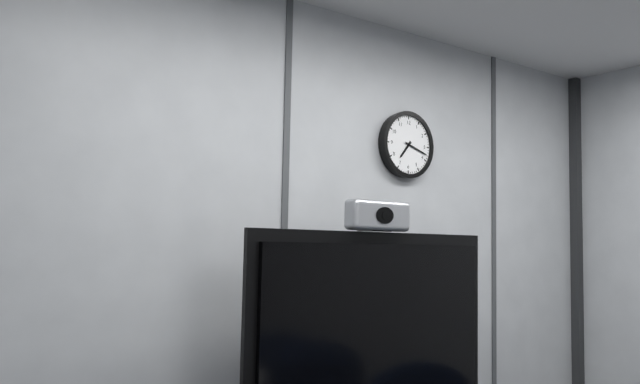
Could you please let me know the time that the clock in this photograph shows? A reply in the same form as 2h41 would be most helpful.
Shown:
7h18
